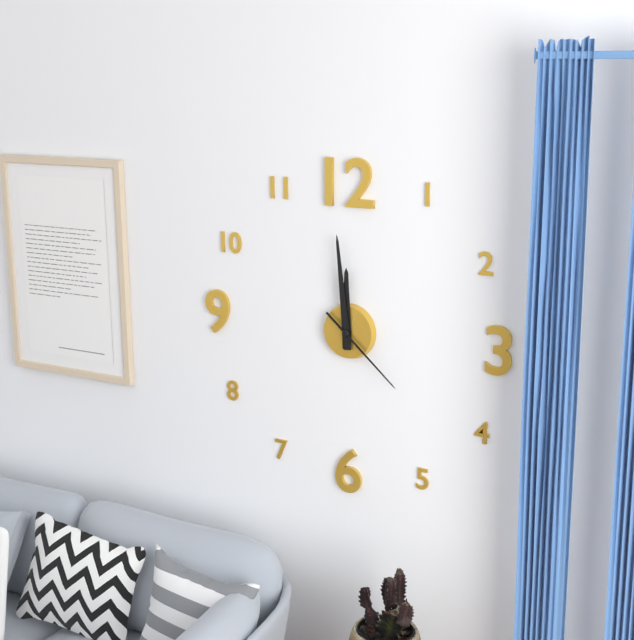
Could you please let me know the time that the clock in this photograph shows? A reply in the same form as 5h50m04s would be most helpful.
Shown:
11h59m22s
